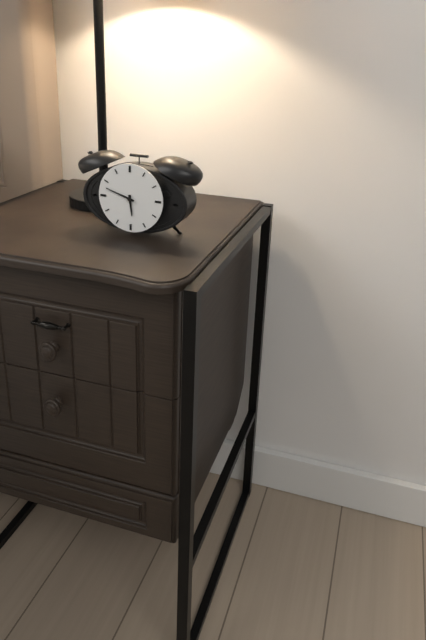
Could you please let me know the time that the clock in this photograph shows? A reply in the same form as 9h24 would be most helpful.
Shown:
5h48
